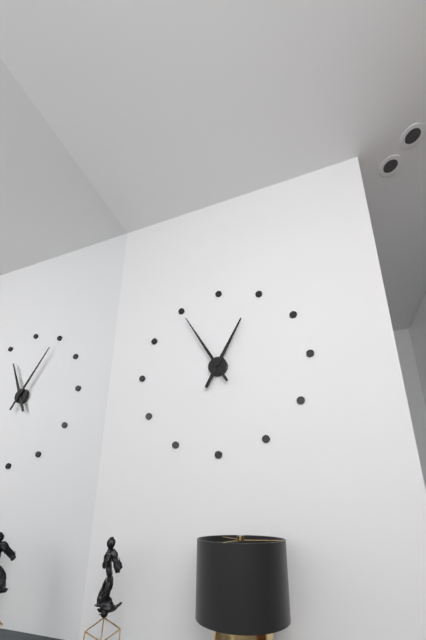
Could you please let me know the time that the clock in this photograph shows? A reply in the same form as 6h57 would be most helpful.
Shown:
12h55
